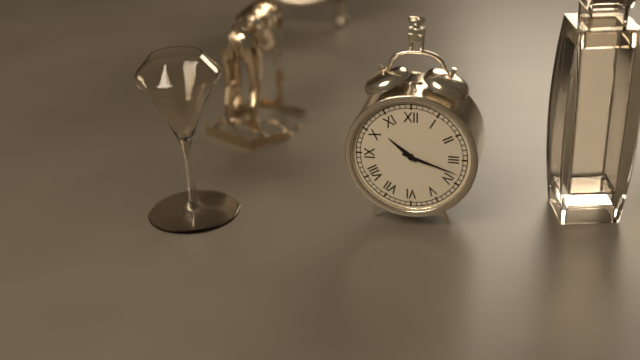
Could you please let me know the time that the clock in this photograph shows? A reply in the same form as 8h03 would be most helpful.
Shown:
10h18
